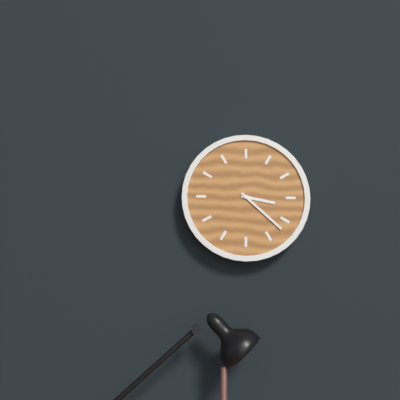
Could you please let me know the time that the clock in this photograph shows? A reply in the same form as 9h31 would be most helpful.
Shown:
3h22
